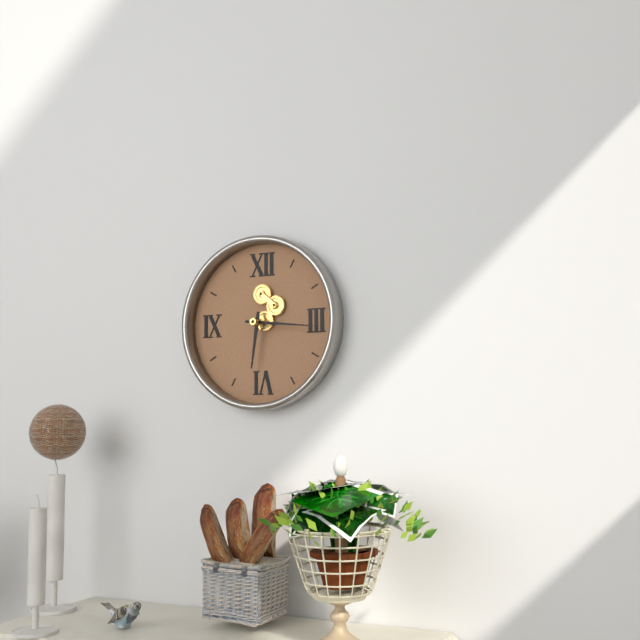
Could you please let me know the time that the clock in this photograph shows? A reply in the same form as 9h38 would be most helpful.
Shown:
6h16
